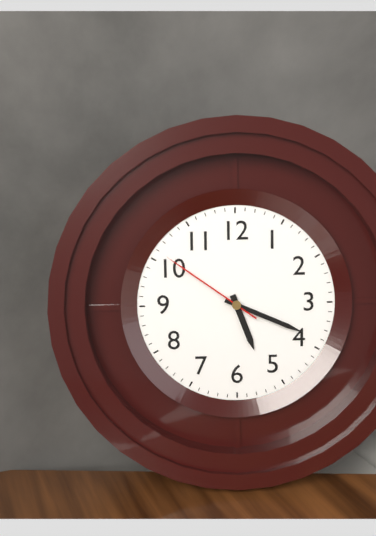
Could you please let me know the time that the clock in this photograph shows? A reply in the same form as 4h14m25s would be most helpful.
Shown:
5h19m51s
